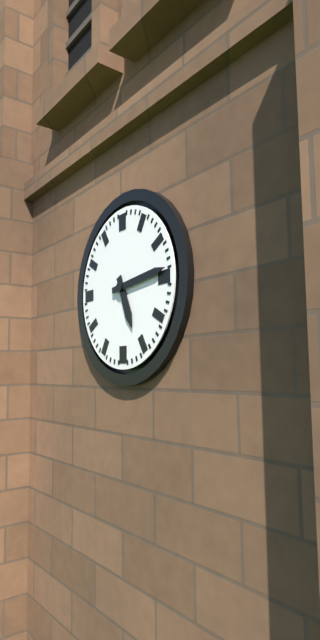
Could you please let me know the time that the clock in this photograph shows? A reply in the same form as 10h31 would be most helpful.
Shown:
5h14
